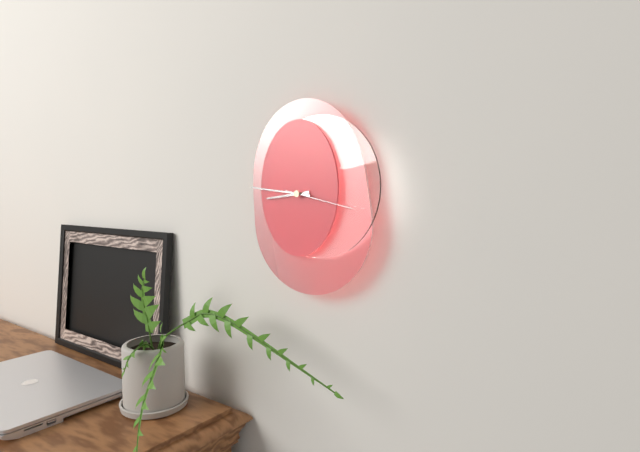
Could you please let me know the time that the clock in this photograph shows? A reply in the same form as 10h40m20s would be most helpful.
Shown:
8h46m17s
